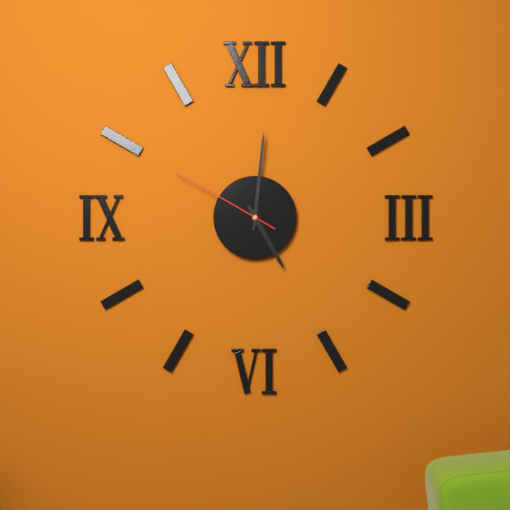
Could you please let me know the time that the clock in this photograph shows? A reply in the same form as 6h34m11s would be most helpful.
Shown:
5h01m50s
